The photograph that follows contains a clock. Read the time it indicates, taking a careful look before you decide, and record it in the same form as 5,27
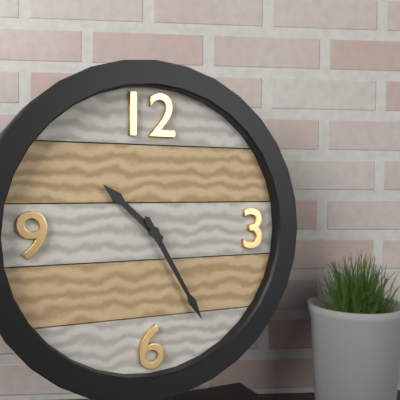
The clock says 10,25
